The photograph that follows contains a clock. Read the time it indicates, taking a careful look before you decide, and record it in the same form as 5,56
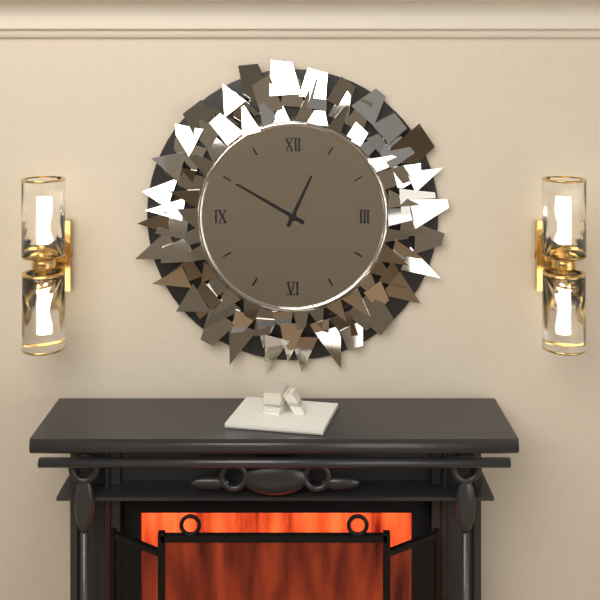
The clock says 12,50
